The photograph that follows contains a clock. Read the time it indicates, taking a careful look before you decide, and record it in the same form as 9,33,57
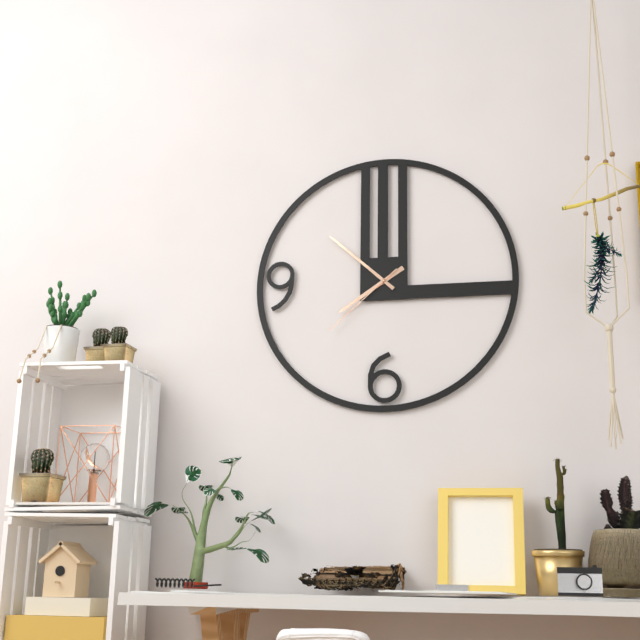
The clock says 7,52,38
